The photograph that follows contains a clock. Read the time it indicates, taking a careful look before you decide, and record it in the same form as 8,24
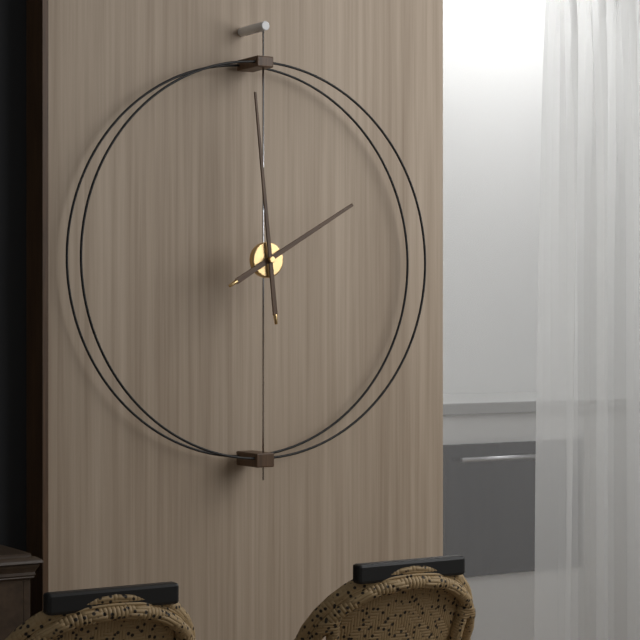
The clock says 1,59
